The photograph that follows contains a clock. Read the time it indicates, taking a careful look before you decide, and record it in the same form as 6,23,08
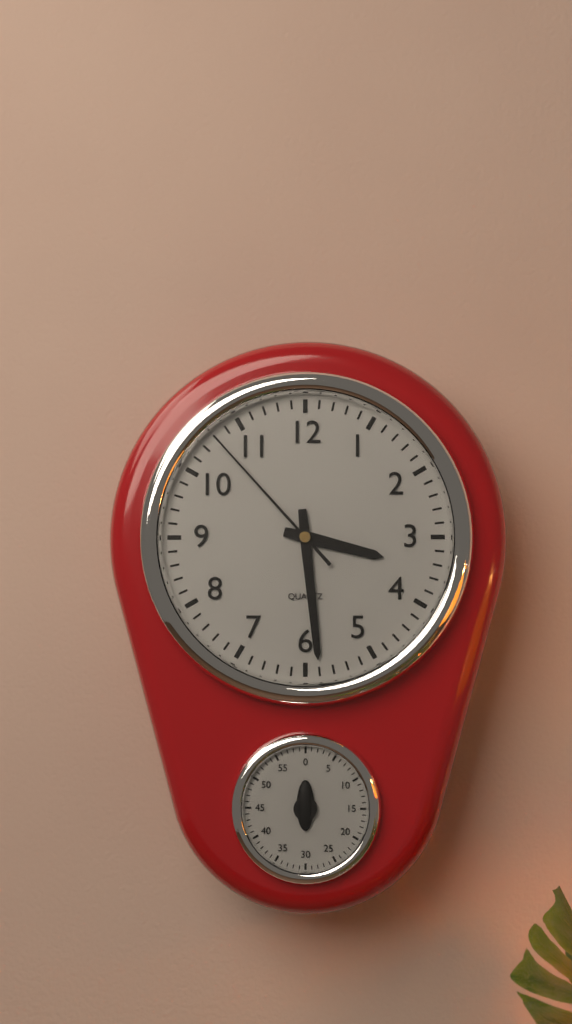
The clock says 3,29,53
